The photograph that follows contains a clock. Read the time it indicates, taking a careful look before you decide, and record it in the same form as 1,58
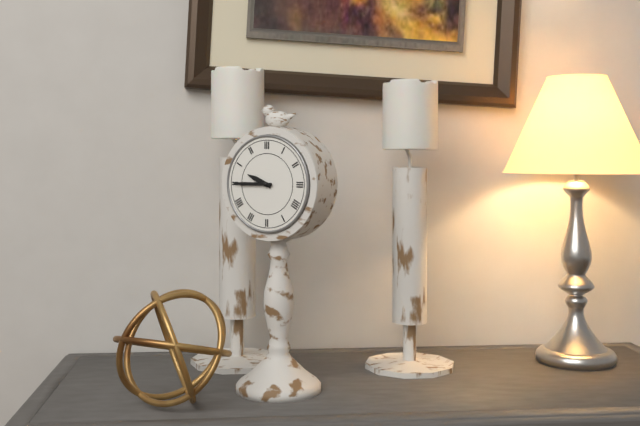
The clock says 9,45
